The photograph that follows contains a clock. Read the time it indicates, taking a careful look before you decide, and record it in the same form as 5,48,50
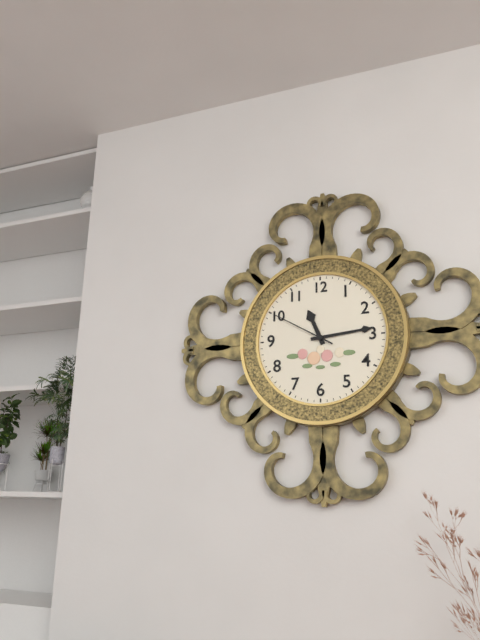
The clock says 11,14,50
